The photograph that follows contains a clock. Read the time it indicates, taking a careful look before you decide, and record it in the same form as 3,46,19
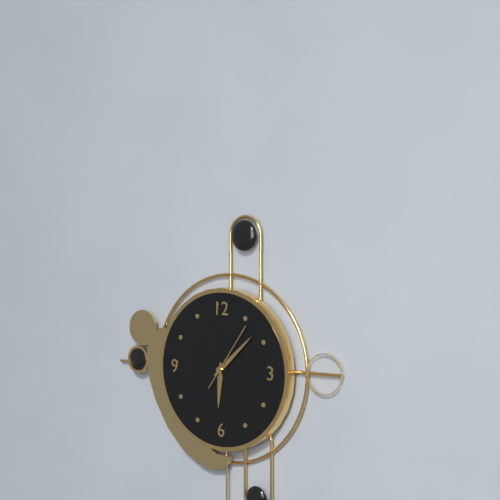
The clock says 6,08,06
